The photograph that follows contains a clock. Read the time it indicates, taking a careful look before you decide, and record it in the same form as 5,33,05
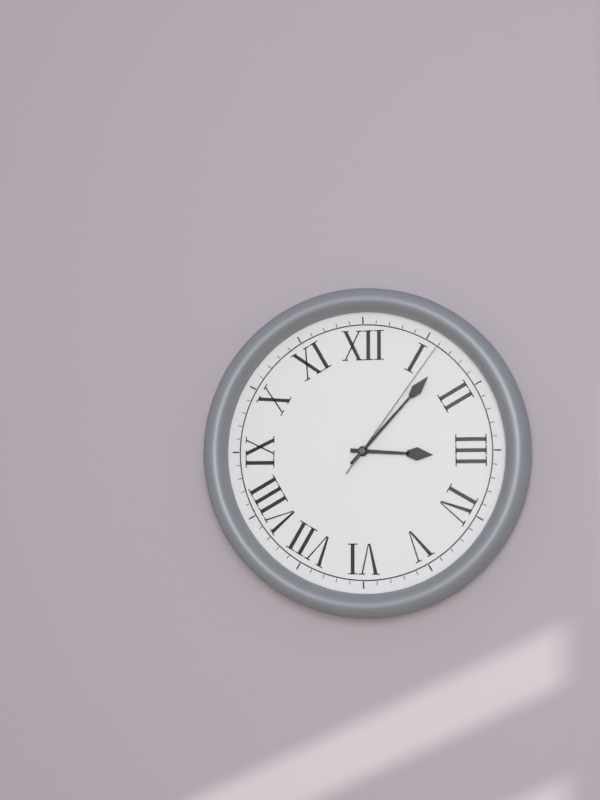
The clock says 3,07,06
